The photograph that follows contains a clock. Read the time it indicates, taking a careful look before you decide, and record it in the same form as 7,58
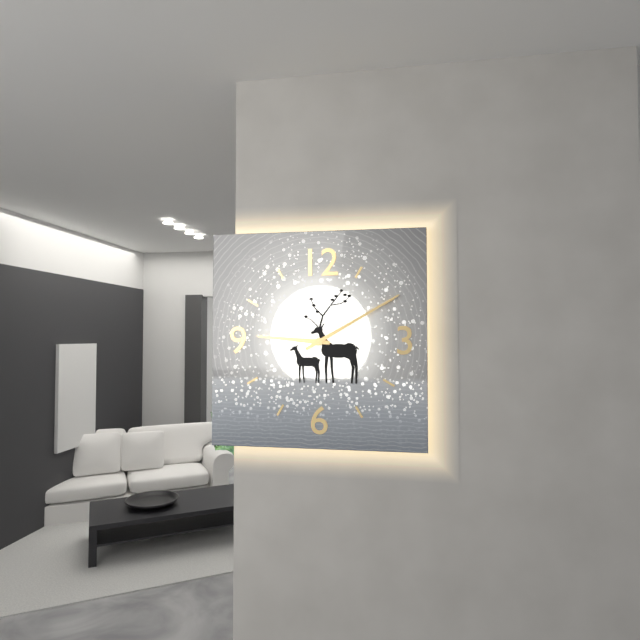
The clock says 9,10
